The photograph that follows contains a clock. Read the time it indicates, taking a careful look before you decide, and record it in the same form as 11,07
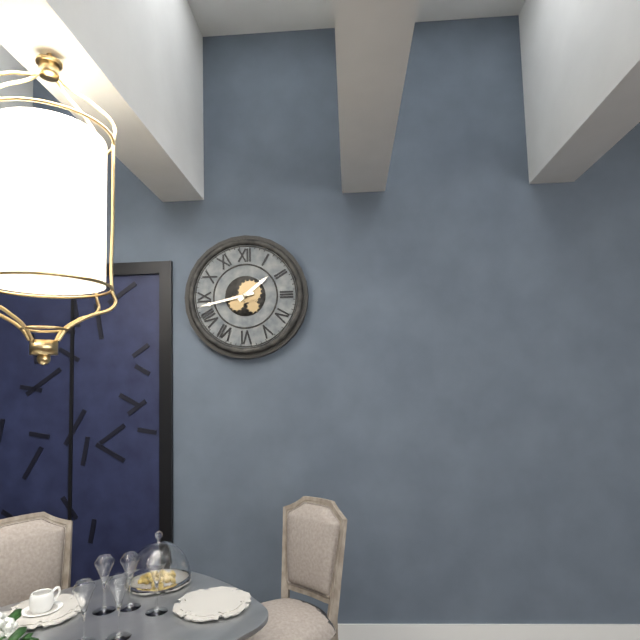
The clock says 1,43
